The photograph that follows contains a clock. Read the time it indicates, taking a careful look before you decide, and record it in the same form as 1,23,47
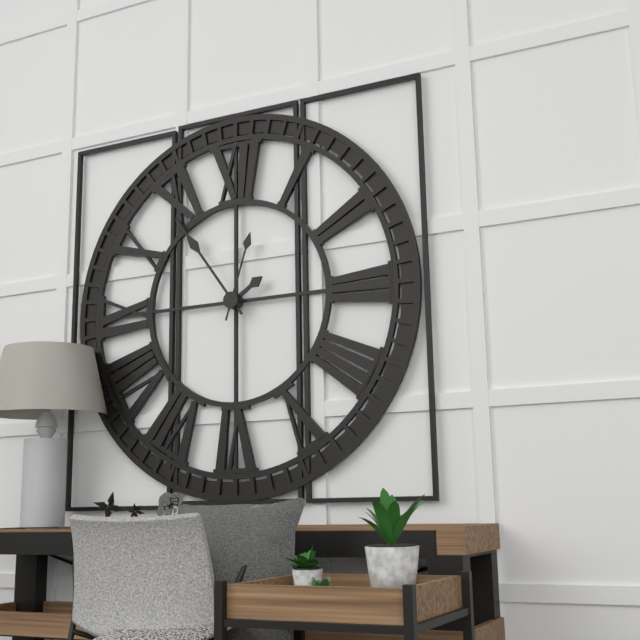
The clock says 1,54,03
